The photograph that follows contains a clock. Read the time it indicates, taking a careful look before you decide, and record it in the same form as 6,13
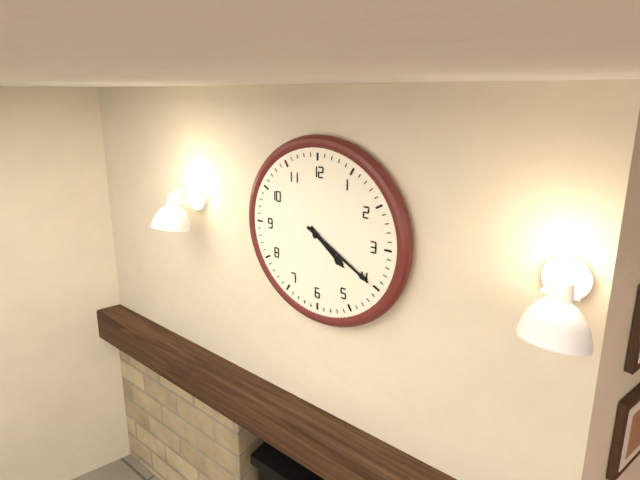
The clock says 4,20
